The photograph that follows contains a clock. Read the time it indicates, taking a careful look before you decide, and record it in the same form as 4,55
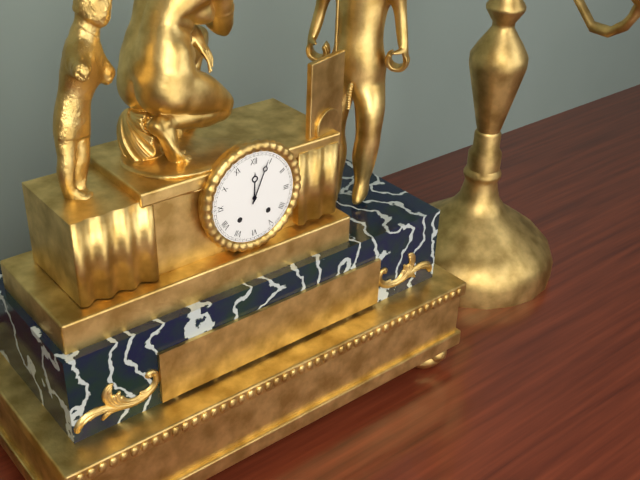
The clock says 12,04
